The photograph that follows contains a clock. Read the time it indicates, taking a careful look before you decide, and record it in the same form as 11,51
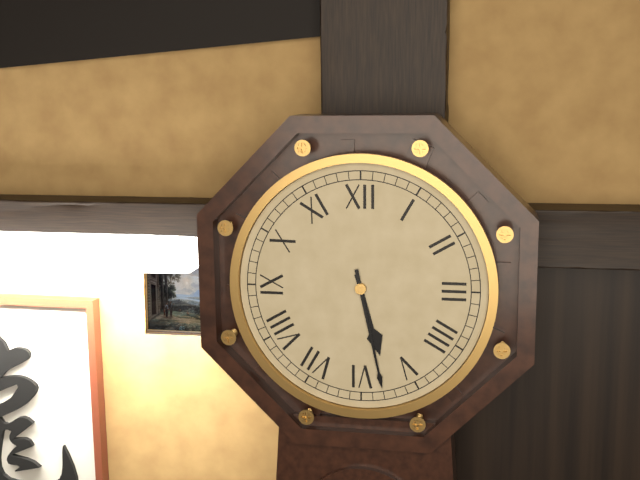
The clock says 5,28
